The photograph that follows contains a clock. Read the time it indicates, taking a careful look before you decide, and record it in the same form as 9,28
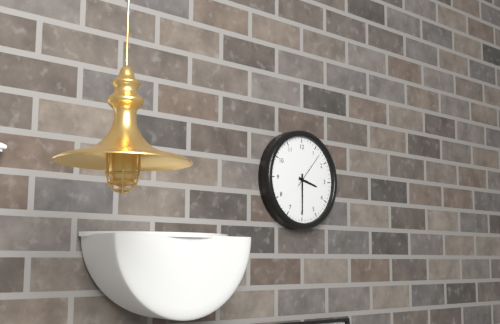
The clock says 3,30
